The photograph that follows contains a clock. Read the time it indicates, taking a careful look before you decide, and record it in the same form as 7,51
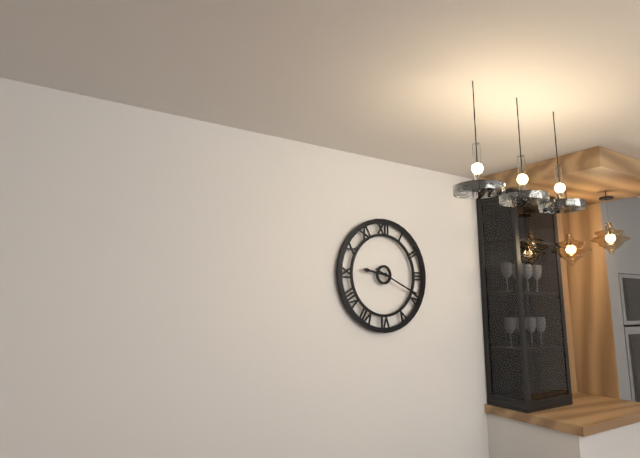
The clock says 9,19
